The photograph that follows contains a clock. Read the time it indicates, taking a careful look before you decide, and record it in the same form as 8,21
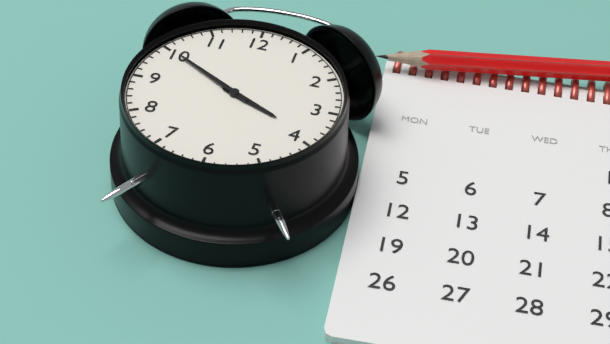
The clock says 3,50
